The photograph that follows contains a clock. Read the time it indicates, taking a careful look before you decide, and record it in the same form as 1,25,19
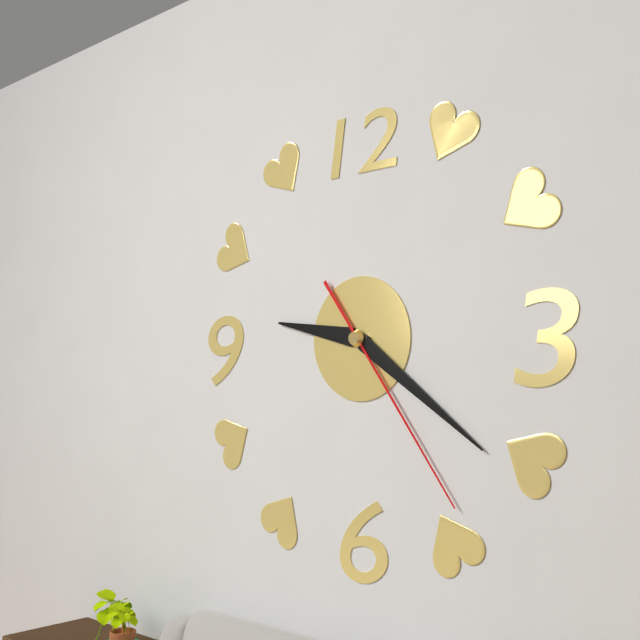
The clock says 9,21,24
